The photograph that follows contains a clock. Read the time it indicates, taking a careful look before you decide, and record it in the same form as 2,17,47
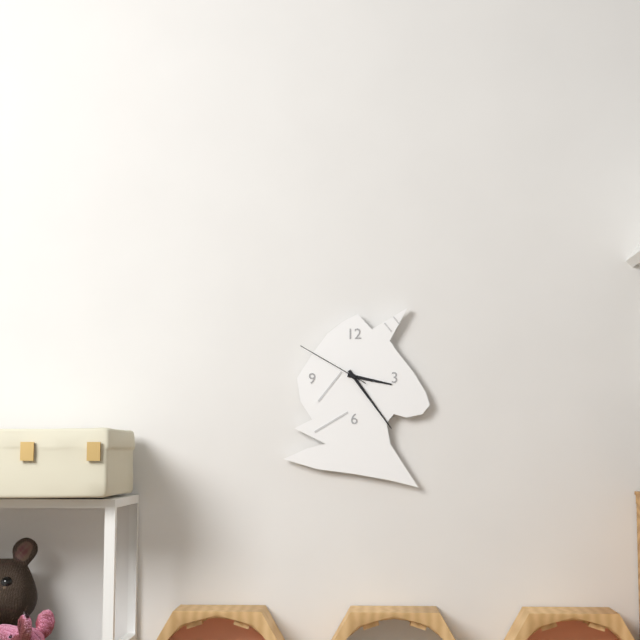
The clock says 3,24,50
